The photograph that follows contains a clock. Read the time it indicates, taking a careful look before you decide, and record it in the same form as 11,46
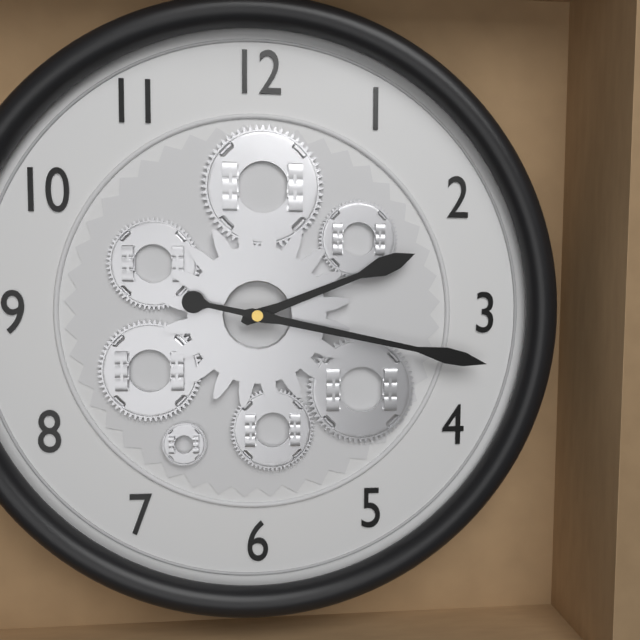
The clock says 2,17
